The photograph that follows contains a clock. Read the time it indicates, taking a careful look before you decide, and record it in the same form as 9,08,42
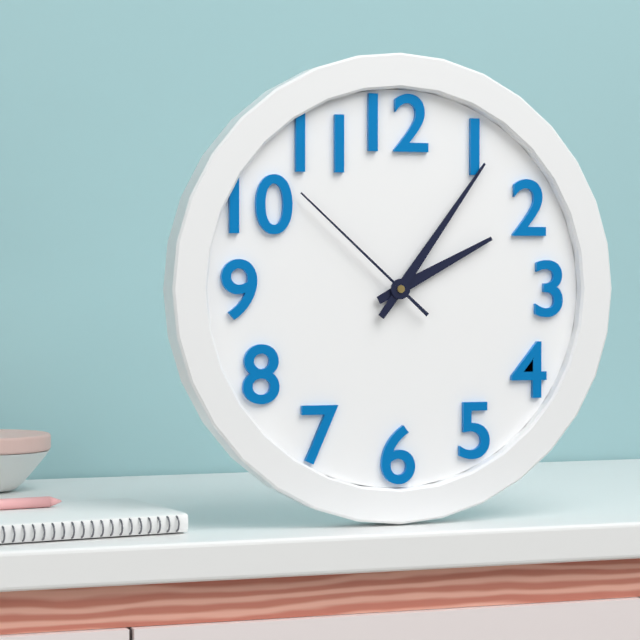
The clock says 2,06,52
